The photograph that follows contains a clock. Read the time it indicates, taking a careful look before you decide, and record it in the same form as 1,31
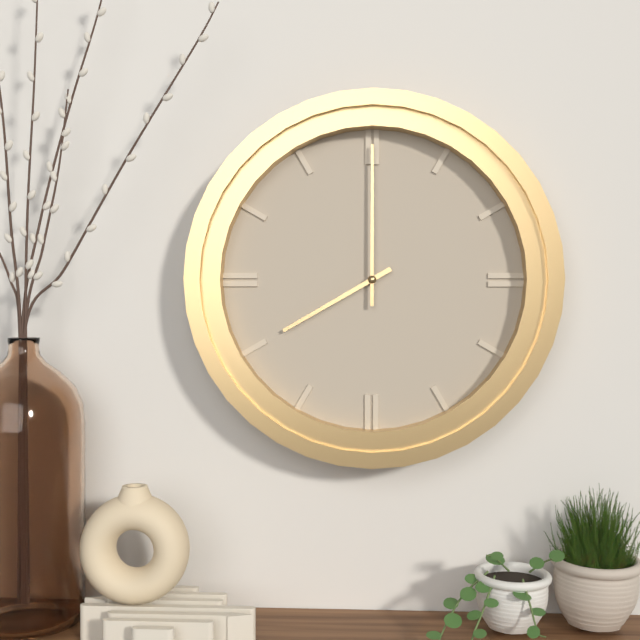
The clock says 8,00
